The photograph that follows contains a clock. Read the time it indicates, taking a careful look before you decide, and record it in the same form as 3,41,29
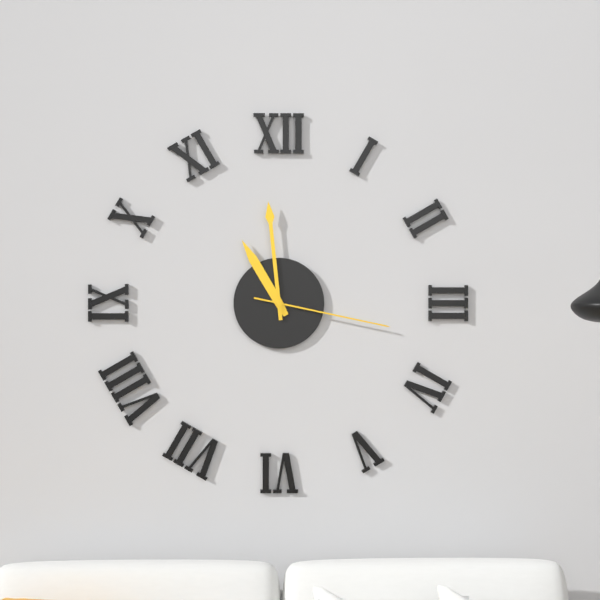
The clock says 10,59,17
